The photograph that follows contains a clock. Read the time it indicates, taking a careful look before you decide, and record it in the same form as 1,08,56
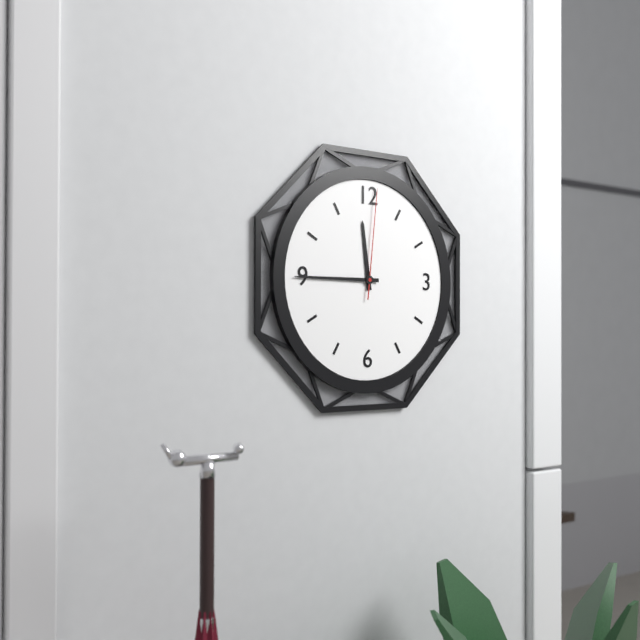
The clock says 11,45,01
